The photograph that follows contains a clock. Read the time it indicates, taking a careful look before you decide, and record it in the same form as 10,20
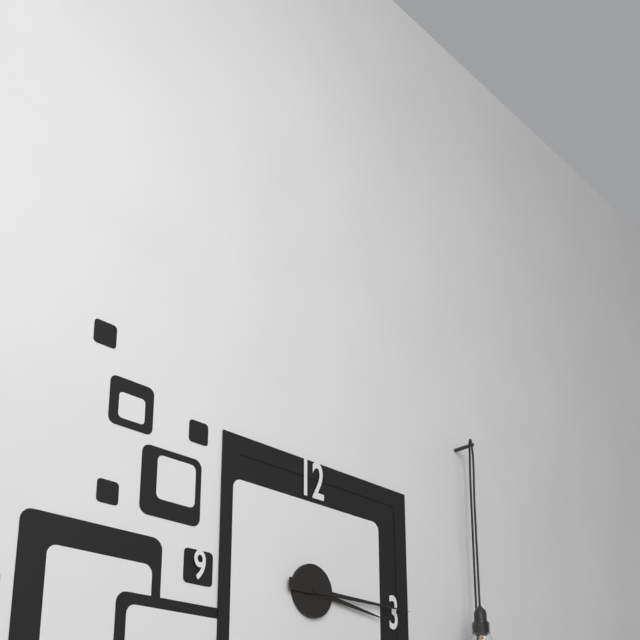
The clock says 3,15
